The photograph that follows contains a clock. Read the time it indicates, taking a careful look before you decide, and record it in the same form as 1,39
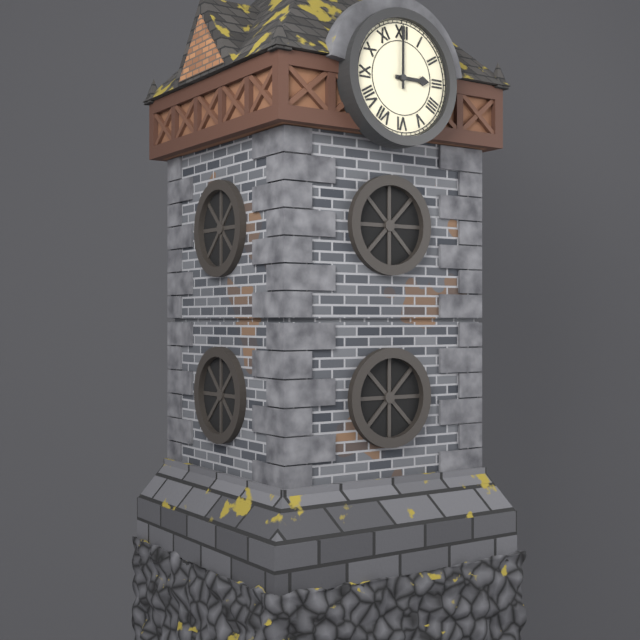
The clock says 3,00
